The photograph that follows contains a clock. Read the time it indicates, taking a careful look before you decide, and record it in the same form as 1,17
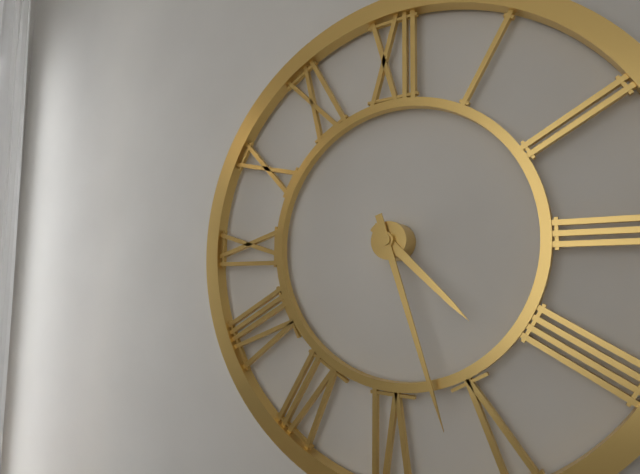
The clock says 4,27
